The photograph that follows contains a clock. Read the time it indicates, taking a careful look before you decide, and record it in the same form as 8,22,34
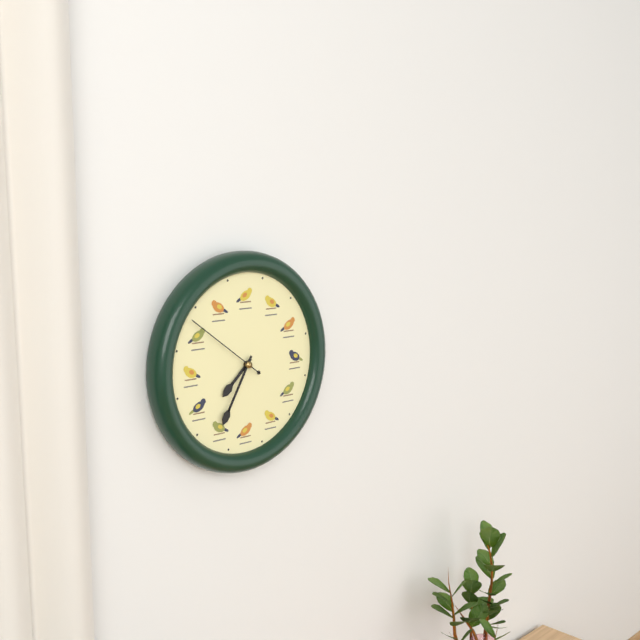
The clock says 7,35,51
